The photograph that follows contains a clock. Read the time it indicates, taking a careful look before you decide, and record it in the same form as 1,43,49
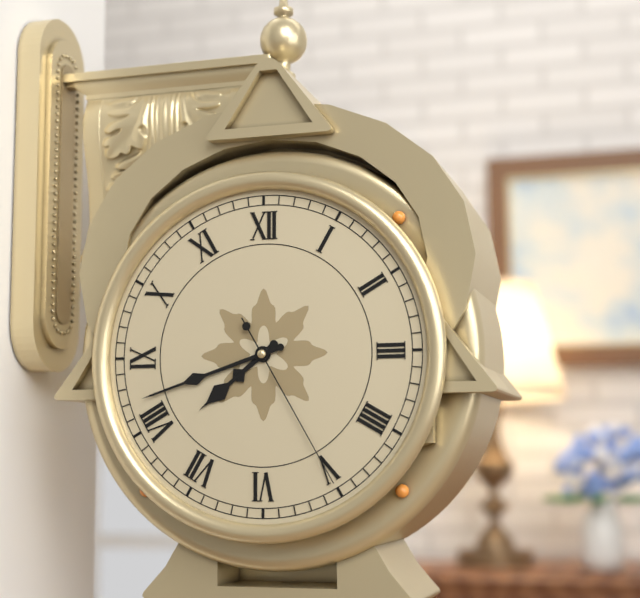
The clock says 7,42,25
